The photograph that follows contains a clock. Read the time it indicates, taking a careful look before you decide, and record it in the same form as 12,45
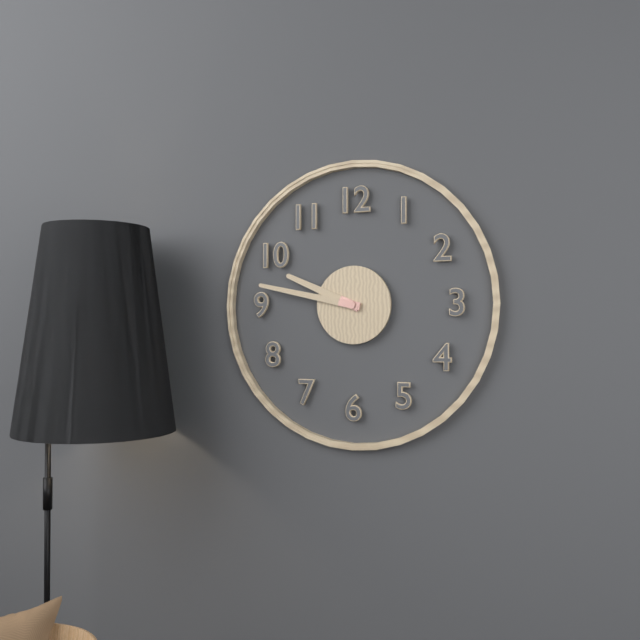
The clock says 9,47
